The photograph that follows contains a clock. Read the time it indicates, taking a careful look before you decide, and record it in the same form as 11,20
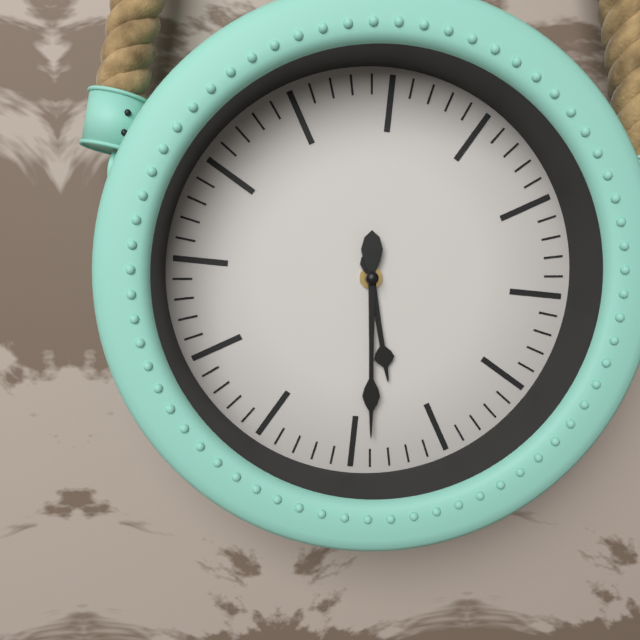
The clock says 5,29
